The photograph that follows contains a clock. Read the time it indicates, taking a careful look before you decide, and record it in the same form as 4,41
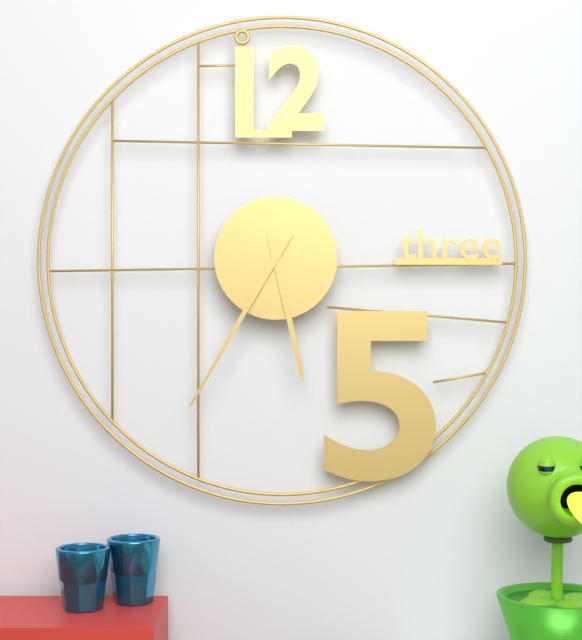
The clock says 5,35
